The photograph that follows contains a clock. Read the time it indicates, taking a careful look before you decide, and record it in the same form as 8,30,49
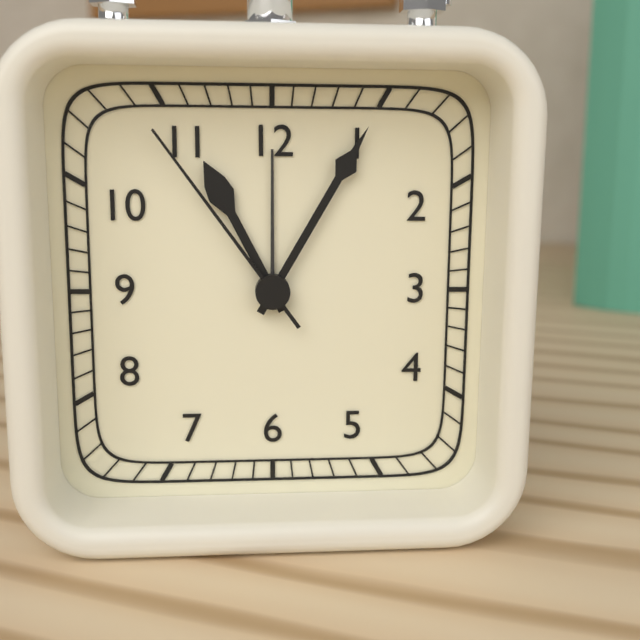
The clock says 11,05,54
